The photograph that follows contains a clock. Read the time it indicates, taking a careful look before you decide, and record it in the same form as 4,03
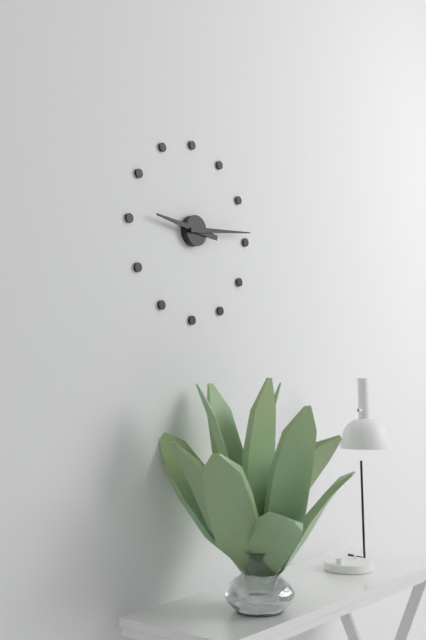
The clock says 9,14
